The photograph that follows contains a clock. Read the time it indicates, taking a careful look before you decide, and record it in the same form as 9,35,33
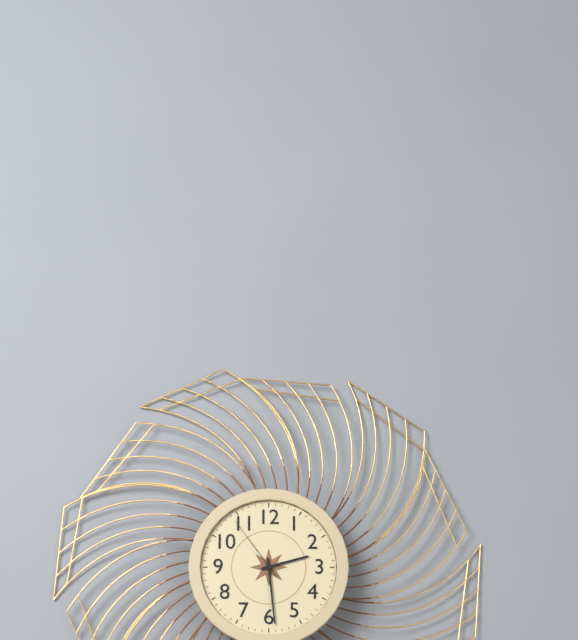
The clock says 2,29,54
